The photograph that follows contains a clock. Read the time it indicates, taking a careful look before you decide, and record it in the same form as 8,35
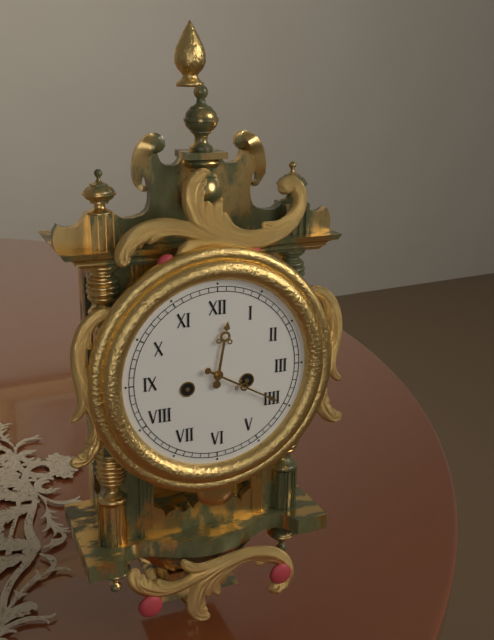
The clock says 12,20
